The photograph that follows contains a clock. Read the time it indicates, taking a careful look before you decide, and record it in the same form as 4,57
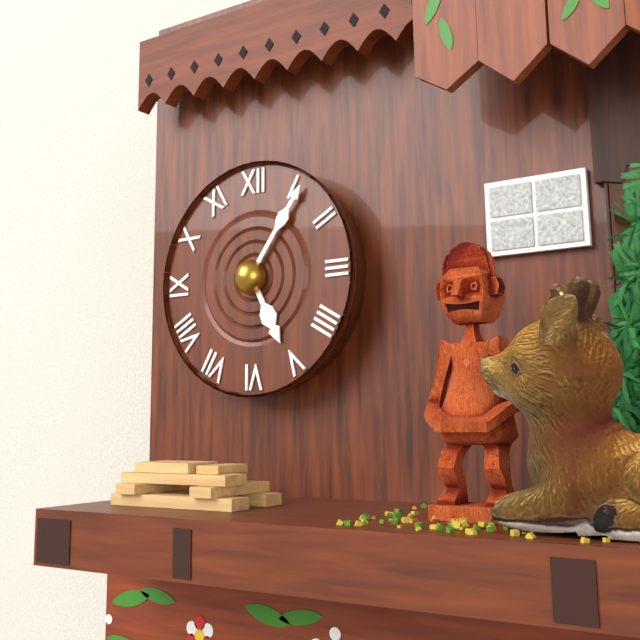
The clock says 5,06
